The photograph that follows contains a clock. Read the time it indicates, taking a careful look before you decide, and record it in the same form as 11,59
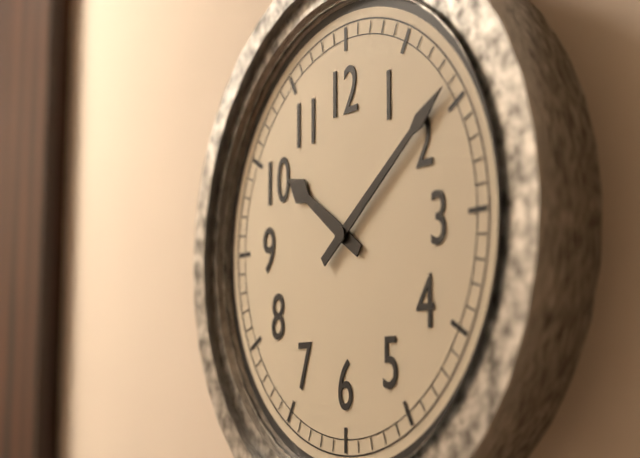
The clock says 10,09
